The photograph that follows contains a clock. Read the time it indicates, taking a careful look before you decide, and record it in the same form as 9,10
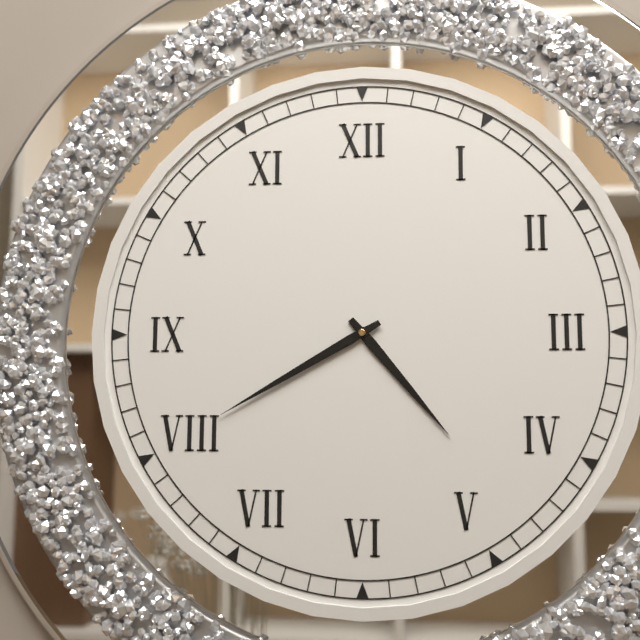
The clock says 4,40
